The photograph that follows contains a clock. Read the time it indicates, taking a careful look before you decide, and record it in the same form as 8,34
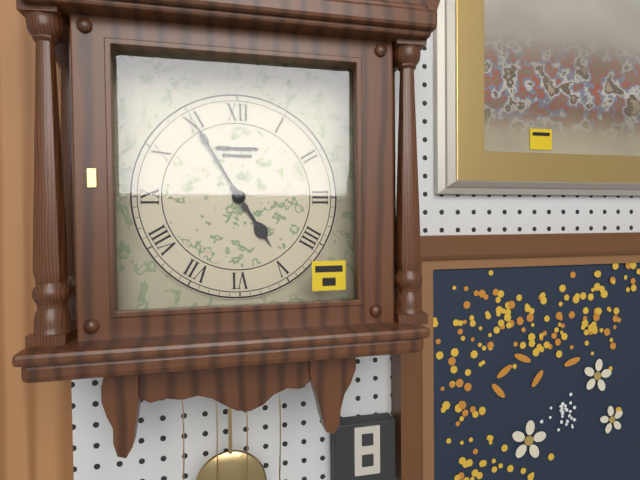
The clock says 4,55
